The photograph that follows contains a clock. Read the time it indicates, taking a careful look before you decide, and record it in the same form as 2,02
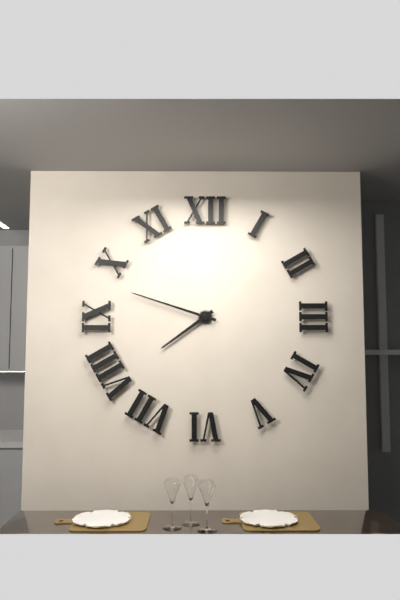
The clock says 7,48
